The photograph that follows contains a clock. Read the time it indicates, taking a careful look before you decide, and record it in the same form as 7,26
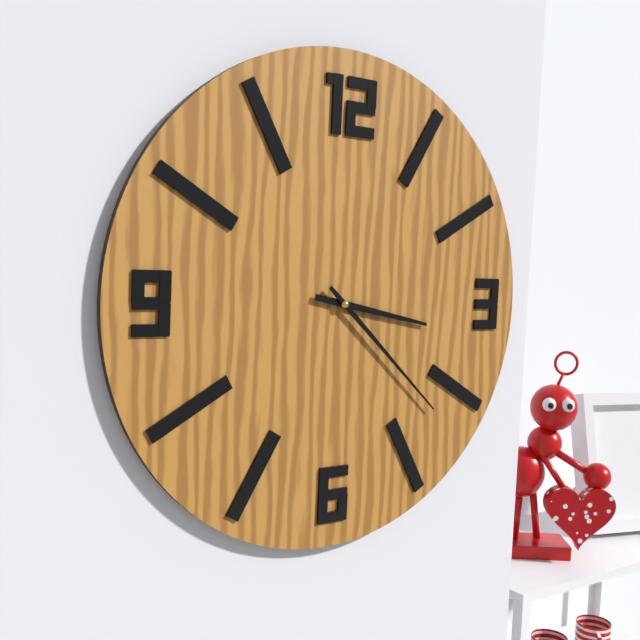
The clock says 3,22
